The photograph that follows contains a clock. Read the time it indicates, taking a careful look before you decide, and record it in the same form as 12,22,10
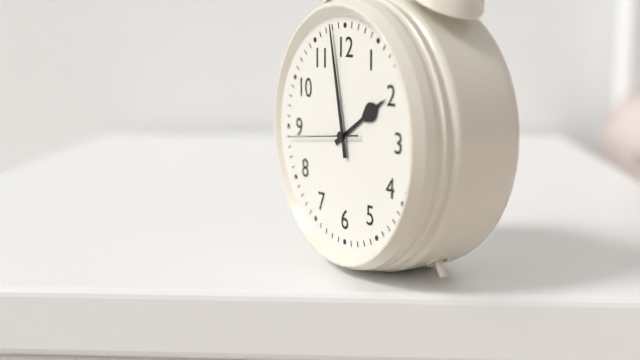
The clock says 1,58,44
